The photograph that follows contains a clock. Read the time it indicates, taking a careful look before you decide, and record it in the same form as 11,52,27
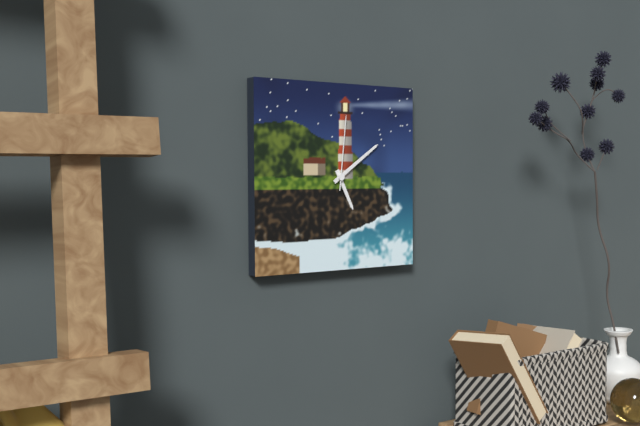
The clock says 5,09,01
